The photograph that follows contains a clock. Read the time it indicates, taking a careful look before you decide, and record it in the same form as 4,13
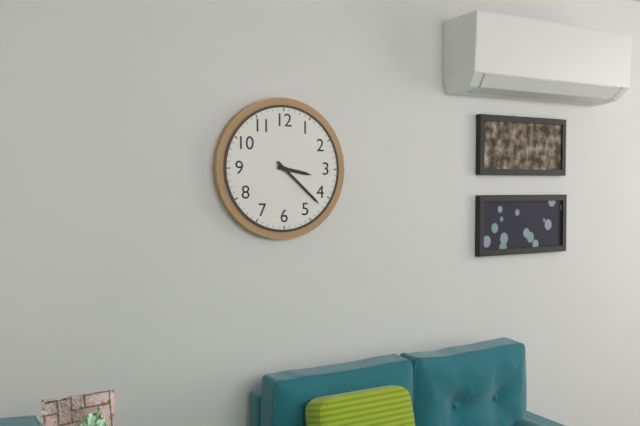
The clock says 3,22
